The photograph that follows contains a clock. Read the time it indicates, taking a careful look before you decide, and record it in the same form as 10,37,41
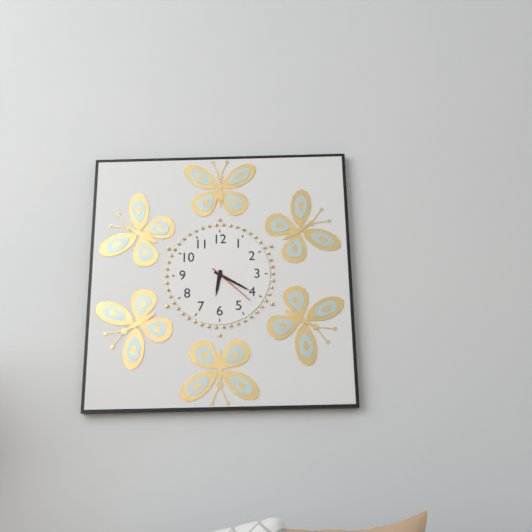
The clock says 6,20,22
